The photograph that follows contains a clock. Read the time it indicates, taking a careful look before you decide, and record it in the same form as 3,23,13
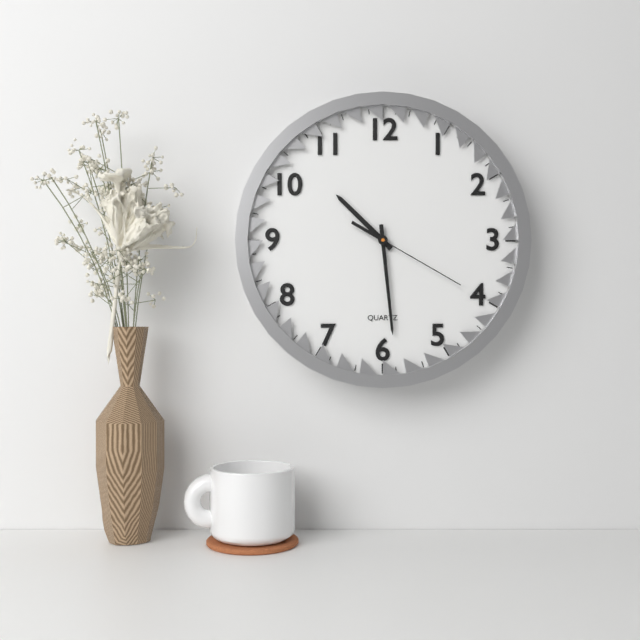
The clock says 10,29,20
